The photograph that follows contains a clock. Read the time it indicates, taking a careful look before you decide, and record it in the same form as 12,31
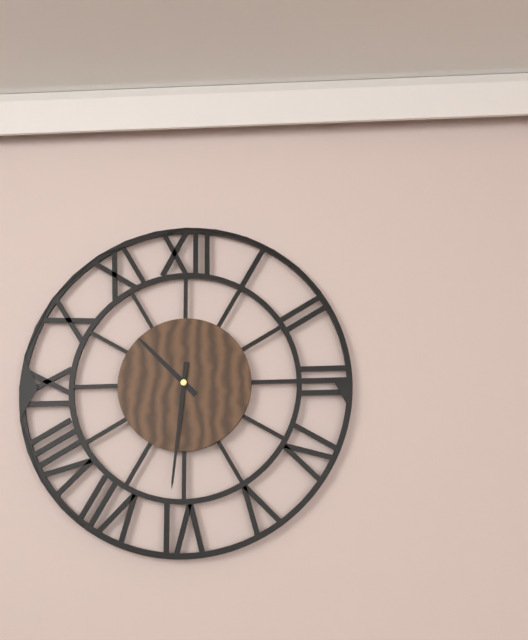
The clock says 10,31
